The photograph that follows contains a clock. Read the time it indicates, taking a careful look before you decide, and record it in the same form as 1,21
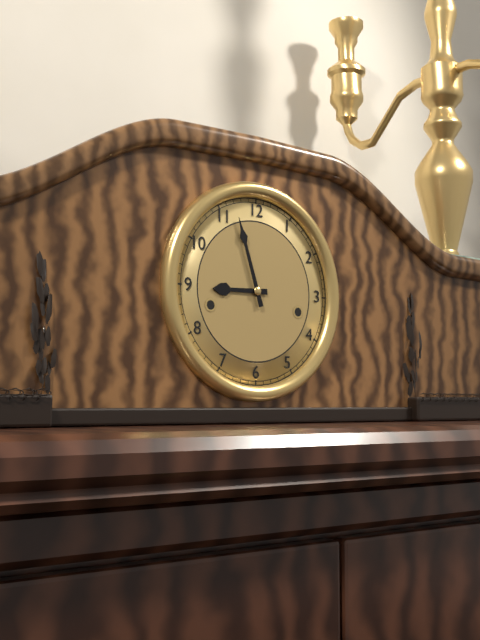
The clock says 8,57
